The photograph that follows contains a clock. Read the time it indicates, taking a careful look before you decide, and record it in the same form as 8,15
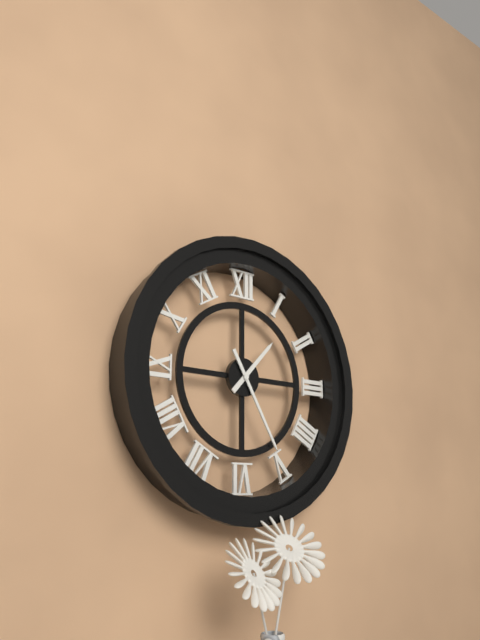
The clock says 1,25
